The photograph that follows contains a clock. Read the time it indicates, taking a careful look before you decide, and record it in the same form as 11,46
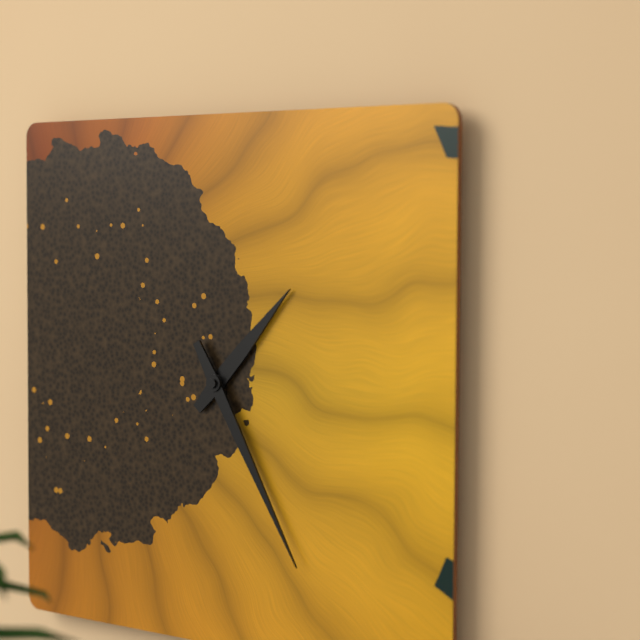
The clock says 1,25
